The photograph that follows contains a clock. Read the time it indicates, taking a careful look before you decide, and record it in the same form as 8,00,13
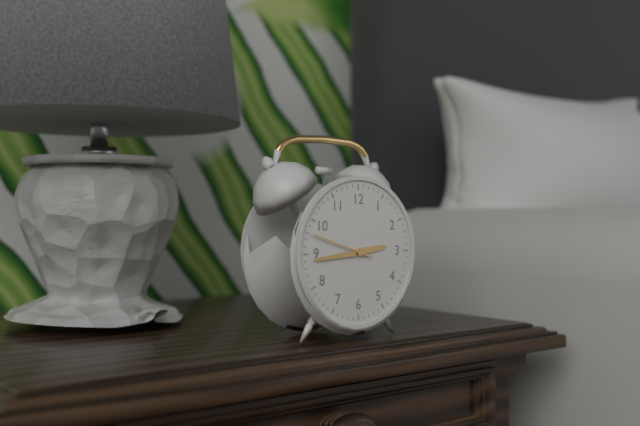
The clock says 2,44,48
